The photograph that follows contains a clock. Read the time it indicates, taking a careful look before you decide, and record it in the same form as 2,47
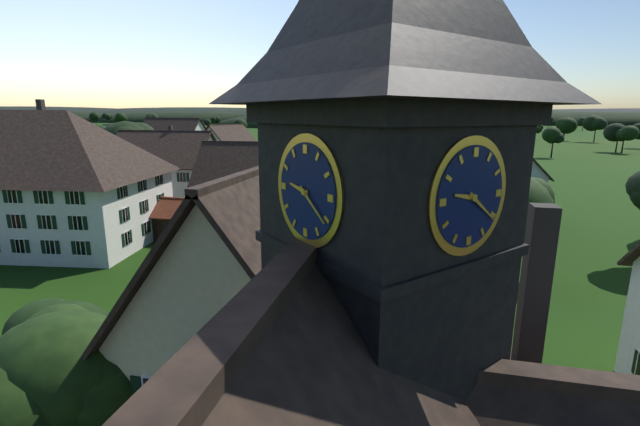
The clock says 9,21
